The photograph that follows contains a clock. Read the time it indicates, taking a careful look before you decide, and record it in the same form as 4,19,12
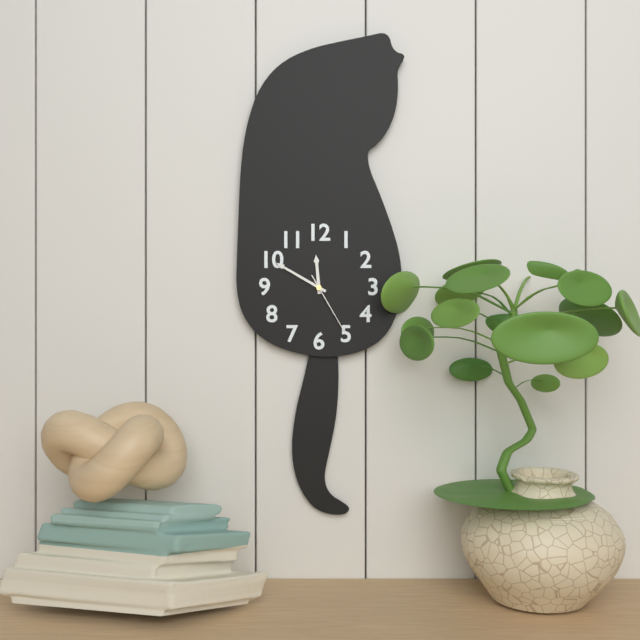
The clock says 11,50,25
